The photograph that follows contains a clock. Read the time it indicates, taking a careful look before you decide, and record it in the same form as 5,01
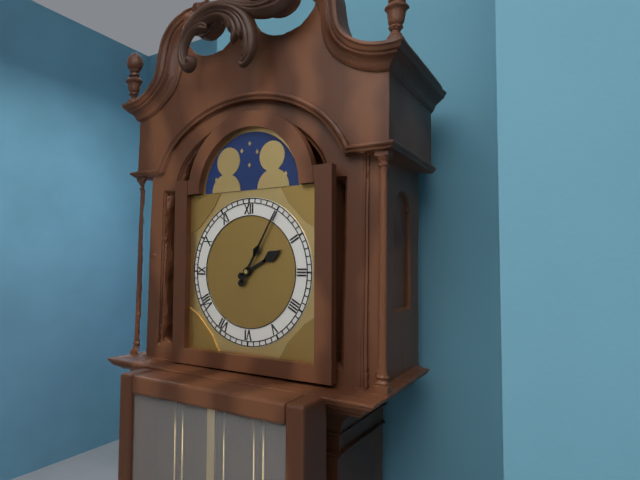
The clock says 2,05
